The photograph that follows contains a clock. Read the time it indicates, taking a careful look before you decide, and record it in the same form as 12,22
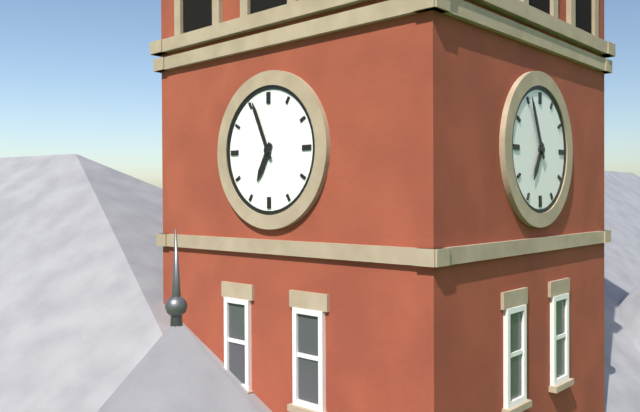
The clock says 6,56
